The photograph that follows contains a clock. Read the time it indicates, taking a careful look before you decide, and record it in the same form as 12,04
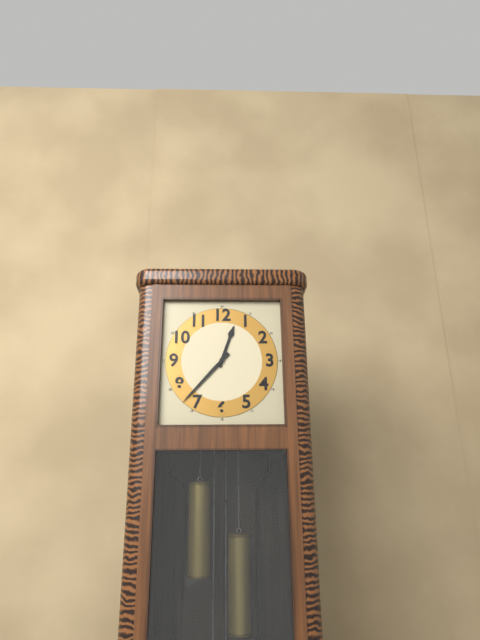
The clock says 12,37
